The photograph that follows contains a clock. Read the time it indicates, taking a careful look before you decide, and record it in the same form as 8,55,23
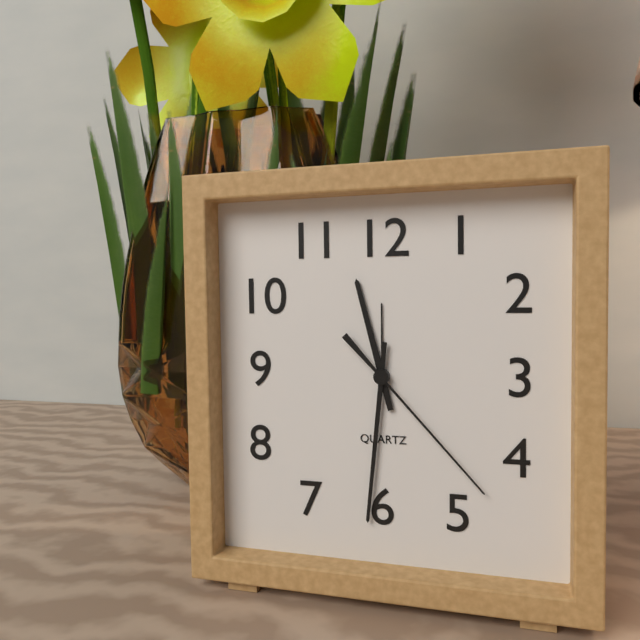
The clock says 11,31,23
